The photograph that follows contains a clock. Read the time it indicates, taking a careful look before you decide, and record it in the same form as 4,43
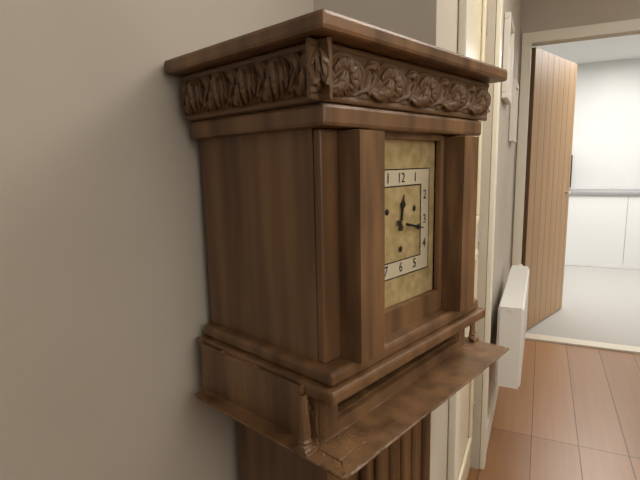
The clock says 12,17
